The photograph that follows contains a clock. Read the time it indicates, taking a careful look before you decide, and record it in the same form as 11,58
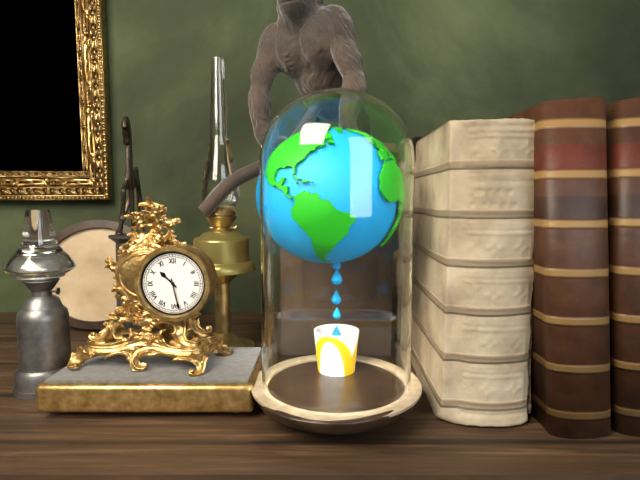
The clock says 10,28
